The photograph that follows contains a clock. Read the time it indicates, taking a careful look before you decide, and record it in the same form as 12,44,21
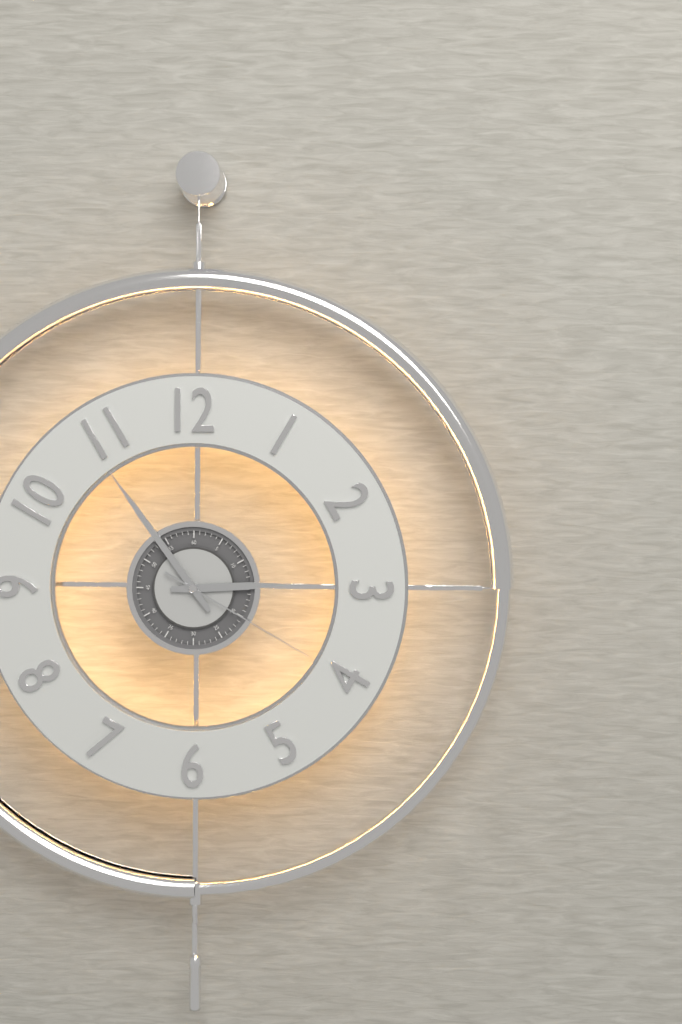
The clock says 2,54,20
